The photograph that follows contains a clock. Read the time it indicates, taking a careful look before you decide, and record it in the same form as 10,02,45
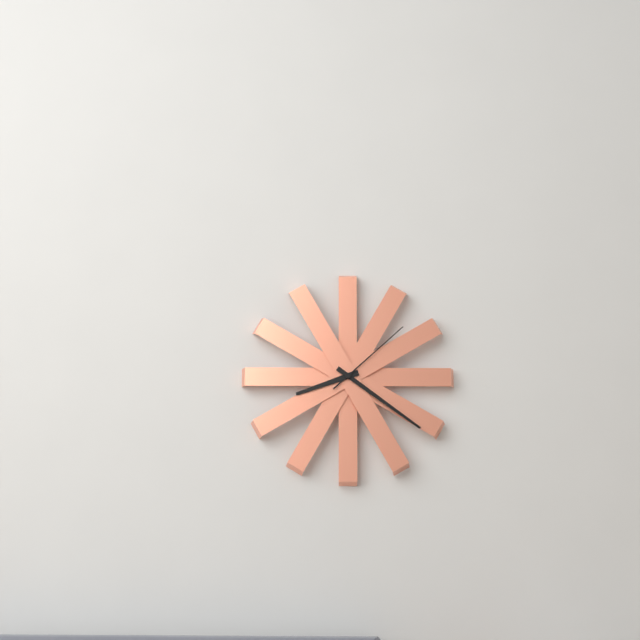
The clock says 8,21,08
